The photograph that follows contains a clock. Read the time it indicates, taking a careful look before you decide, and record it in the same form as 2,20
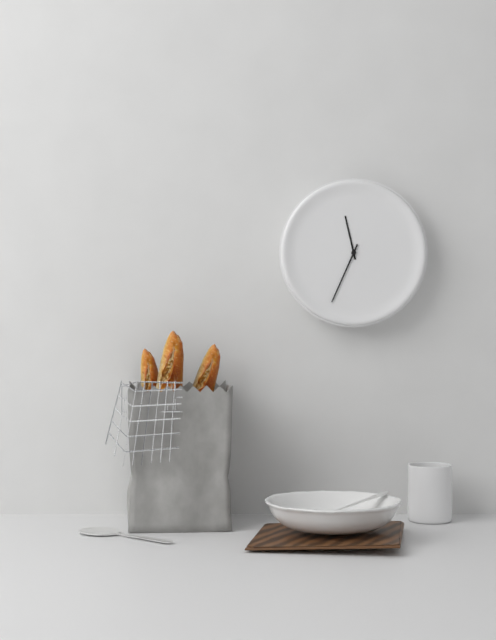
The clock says 11,34
